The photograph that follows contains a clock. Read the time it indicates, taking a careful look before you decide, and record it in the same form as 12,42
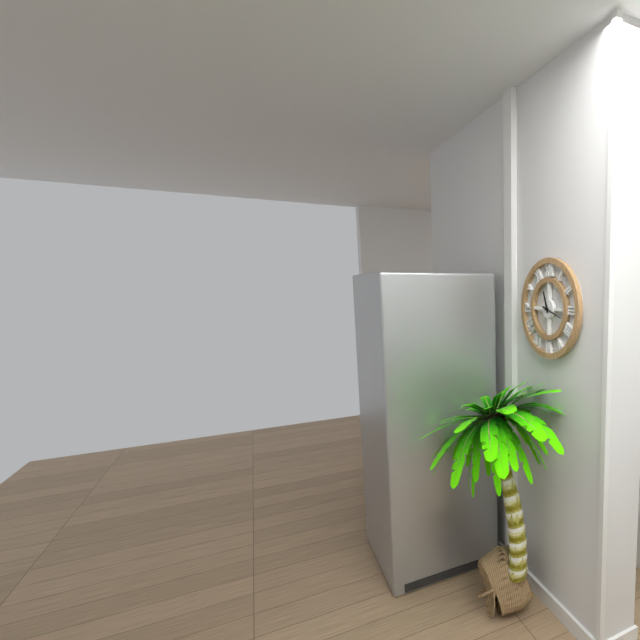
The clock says 11,18
